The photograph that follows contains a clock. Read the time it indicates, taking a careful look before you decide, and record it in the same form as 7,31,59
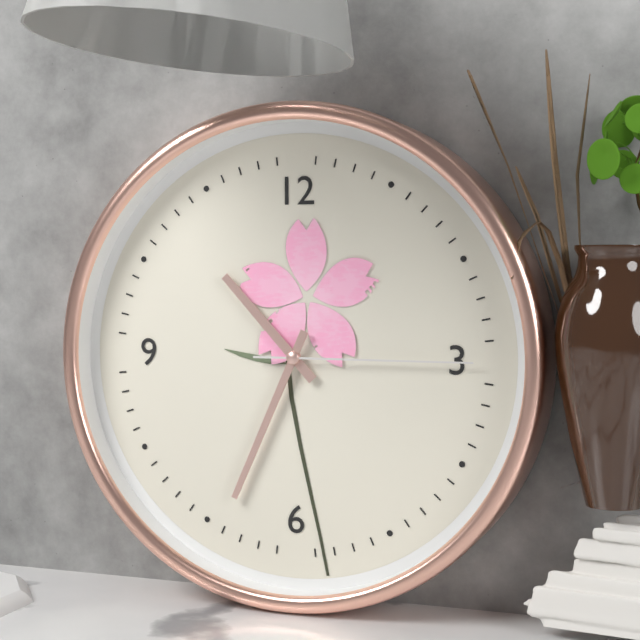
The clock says 10,34,15
